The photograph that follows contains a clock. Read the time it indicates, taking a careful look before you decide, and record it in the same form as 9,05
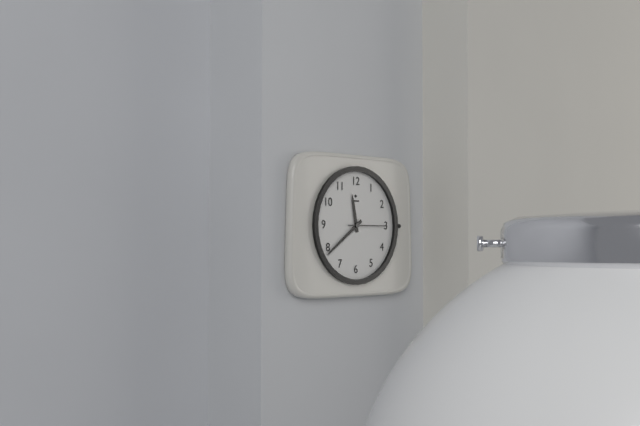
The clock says 11,39
